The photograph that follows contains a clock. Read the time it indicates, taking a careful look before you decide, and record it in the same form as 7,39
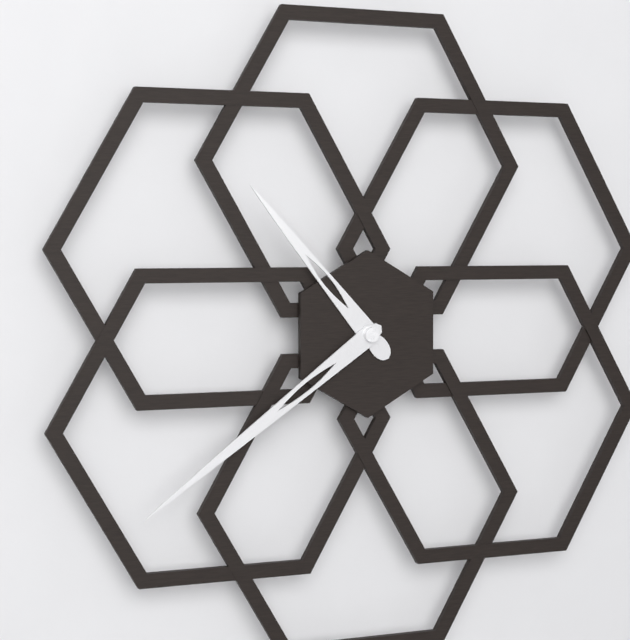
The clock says 10,39
